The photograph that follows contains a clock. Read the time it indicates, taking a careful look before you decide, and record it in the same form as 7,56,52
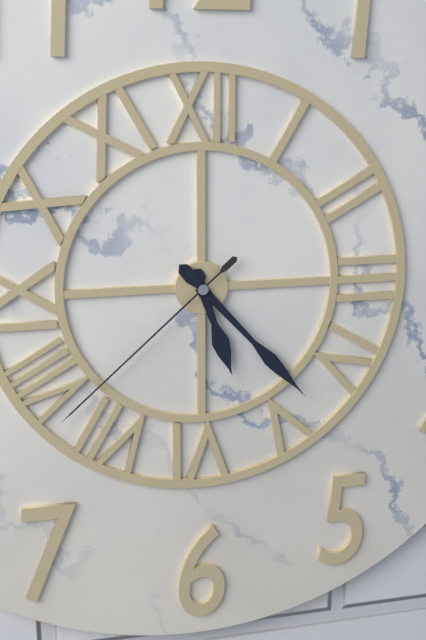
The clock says 5,23,38
